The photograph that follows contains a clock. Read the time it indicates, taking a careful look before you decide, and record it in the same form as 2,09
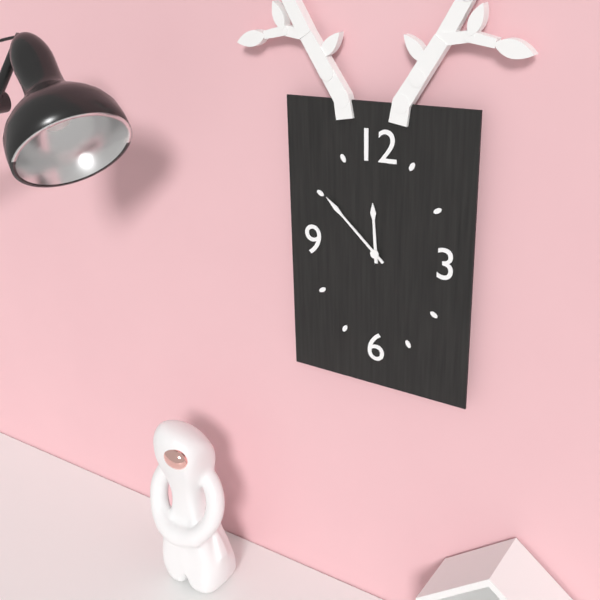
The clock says 11,52
